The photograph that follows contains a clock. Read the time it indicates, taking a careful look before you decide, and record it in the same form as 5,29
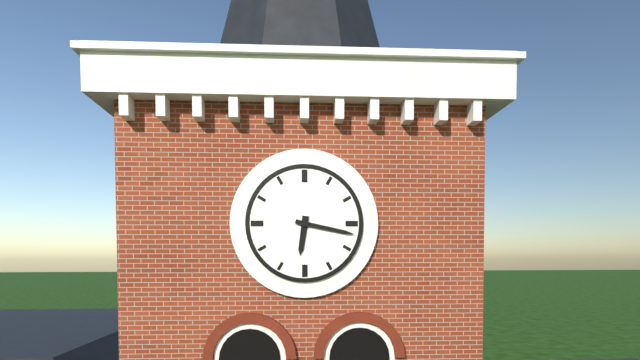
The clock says 6,17
